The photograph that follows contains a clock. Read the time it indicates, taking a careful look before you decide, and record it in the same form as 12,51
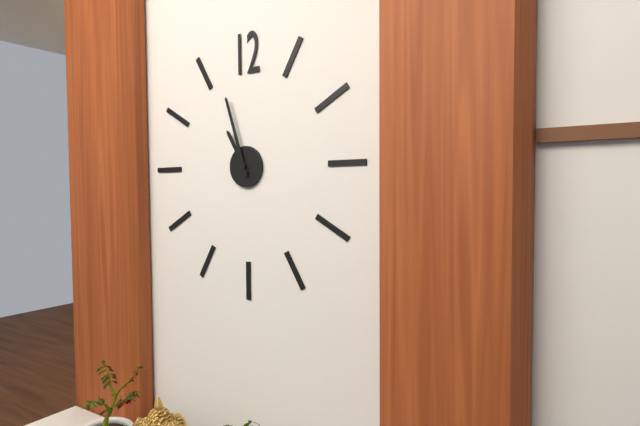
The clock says 10,57
